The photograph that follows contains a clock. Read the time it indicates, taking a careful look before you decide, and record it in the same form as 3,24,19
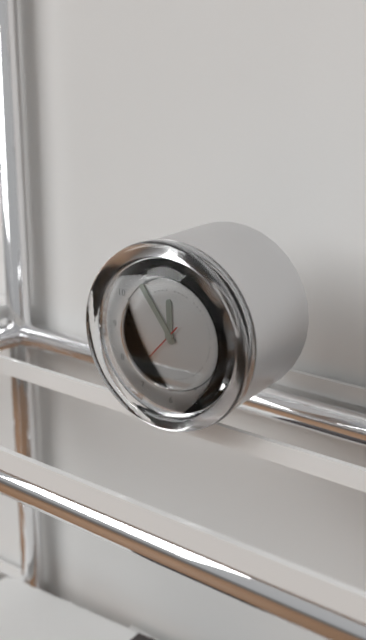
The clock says 11,54,37
